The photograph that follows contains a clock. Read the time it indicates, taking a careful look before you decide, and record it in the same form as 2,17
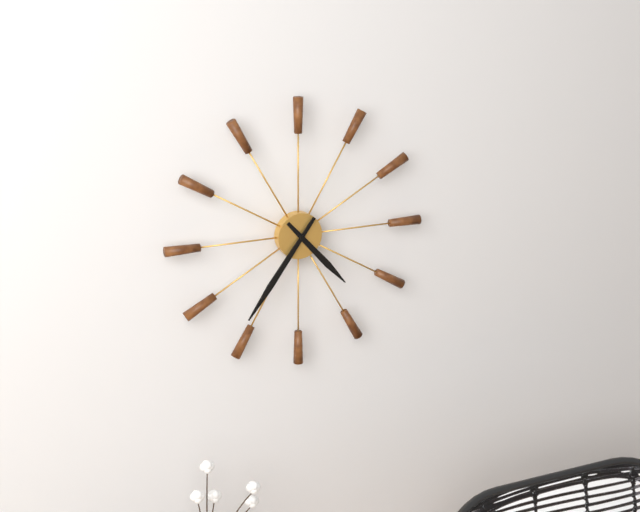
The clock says 4,36
